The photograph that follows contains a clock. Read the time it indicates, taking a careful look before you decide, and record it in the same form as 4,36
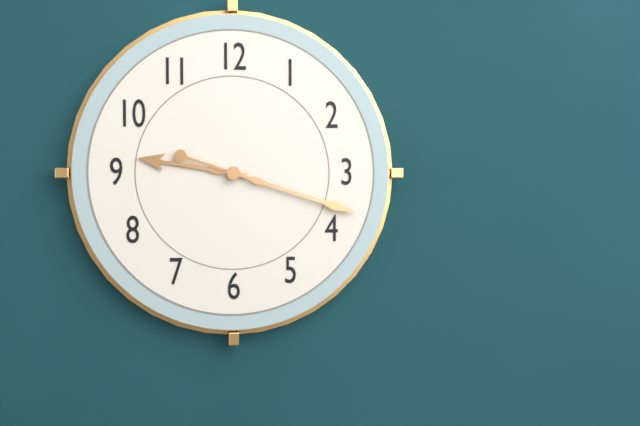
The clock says 9,18
